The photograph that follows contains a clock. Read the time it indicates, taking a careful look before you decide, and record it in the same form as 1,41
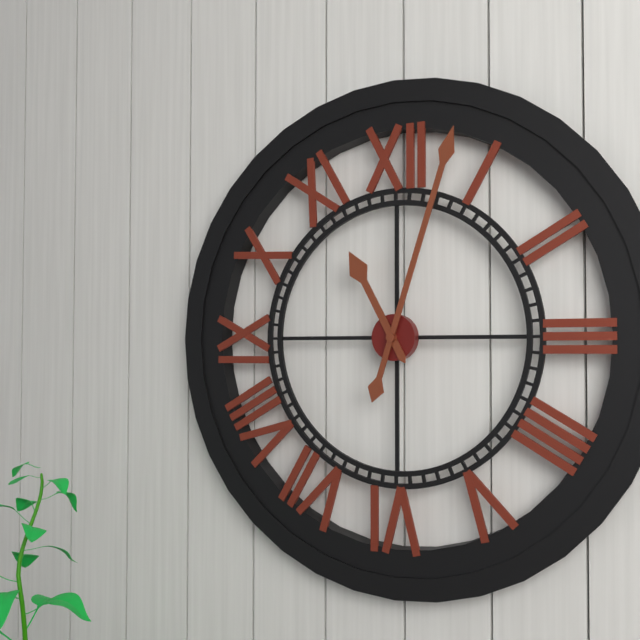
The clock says 11,03
